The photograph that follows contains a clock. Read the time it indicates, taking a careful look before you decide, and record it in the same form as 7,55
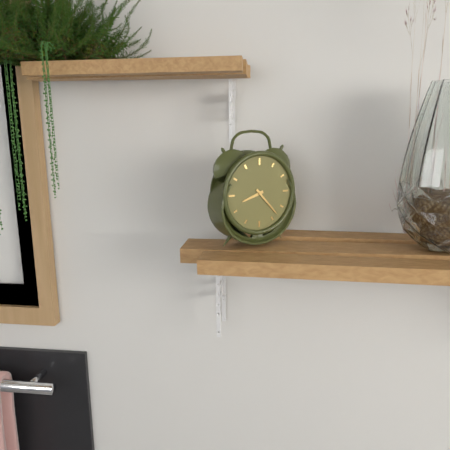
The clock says 8,23
